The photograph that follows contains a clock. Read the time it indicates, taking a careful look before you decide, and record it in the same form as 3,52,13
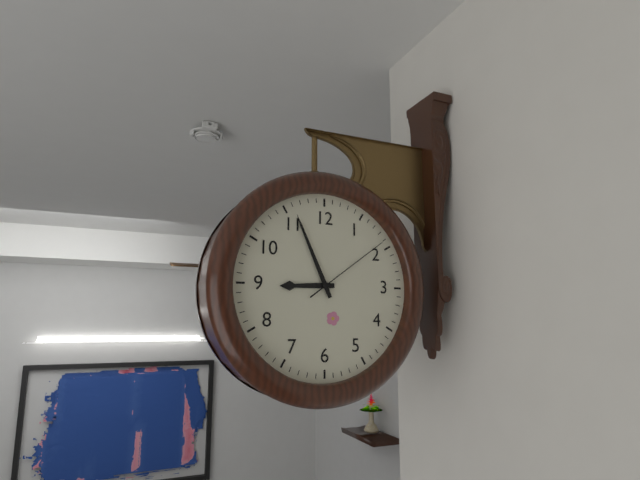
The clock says 8,56,09
